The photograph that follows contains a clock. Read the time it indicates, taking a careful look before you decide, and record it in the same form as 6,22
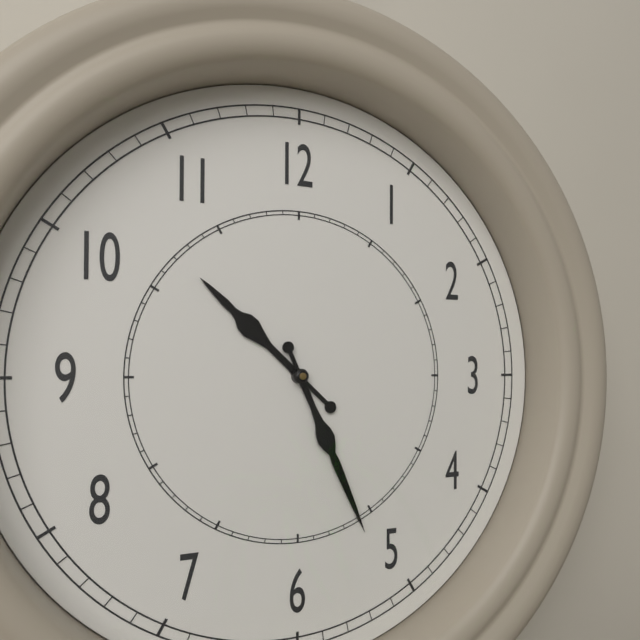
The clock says 10,26
